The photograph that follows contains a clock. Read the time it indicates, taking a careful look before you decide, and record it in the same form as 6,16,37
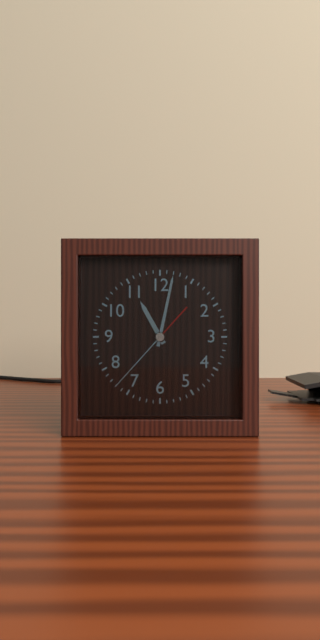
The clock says 11,02,37
